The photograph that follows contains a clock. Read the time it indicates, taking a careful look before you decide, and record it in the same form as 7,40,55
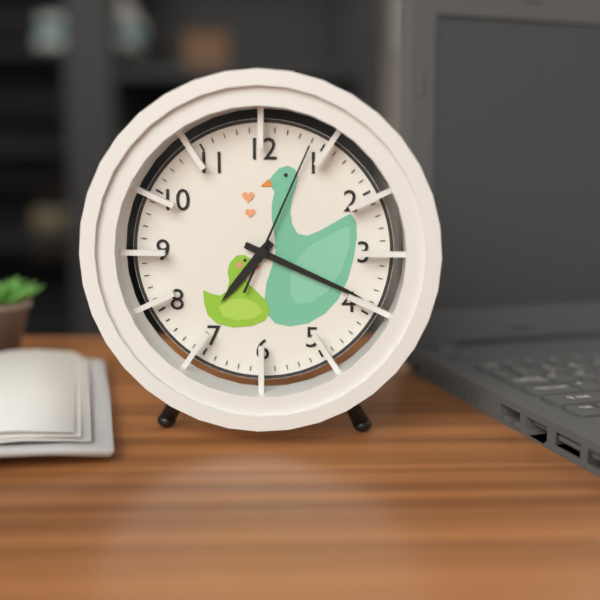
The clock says 7,19,04
